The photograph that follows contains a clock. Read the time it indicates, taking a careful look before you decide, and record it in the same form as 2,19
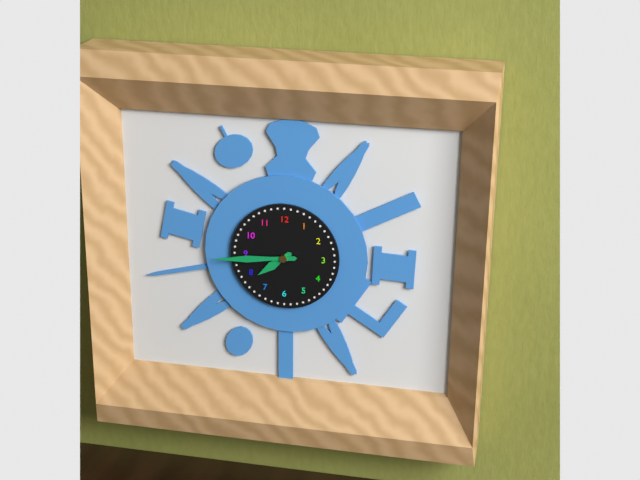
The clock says 7,44
